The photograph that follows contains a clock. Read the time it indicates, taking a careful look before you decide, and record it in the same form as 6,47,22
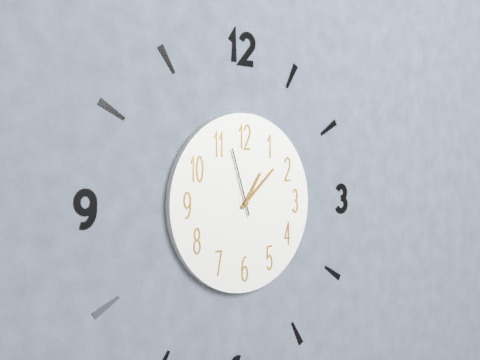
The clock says 1,08,57
